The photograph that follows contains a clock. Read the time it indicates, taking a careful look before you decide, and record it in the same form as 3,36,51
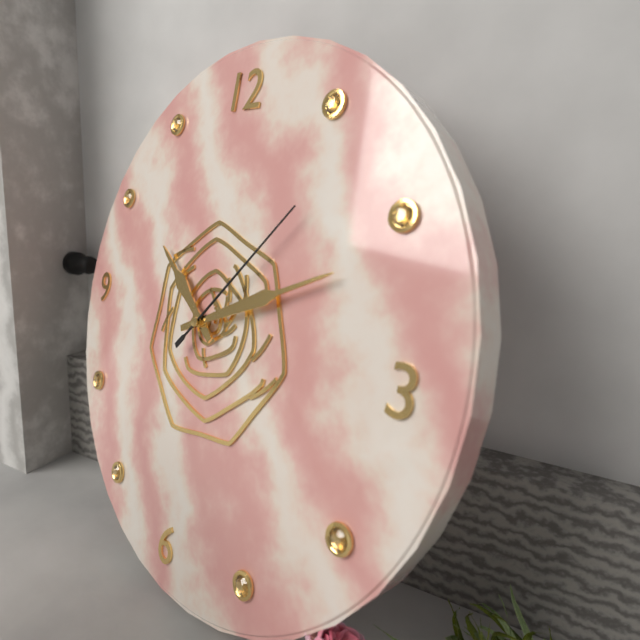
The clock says 10,11,07
